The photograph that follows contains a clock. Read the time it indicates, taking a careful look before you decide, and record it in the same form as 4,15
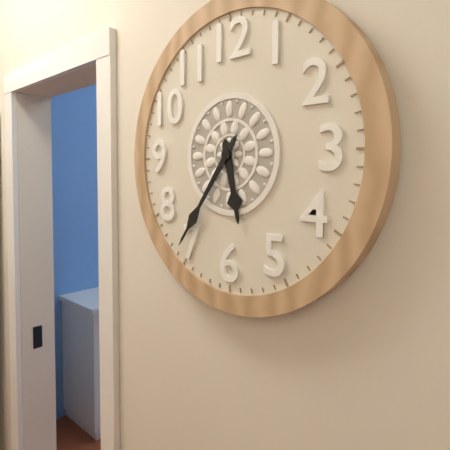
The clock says 5,36
